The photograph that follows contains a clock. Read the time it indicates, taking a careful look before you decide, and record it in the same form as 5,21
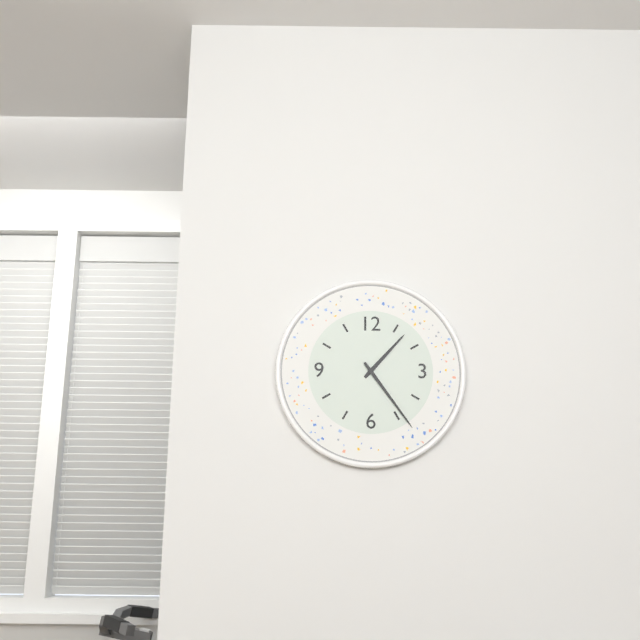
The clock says 1,24
